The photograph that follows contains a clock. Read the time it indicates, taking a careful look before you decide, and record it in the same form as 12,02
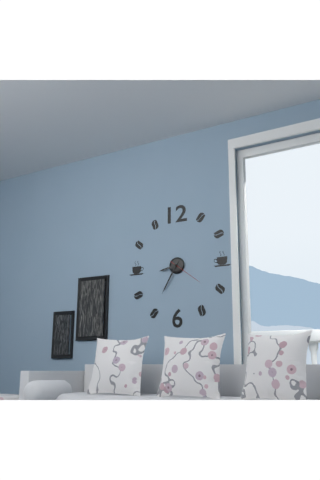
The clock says 8,35
